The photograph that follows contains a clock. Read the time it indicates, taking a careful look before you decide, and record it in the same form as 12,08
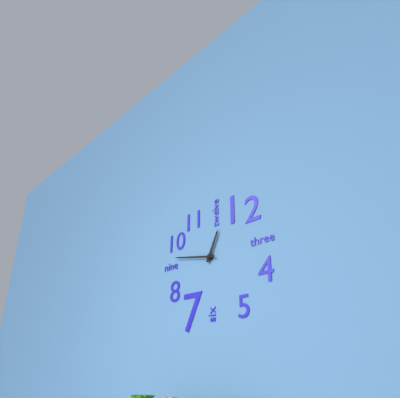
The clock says 12,47
